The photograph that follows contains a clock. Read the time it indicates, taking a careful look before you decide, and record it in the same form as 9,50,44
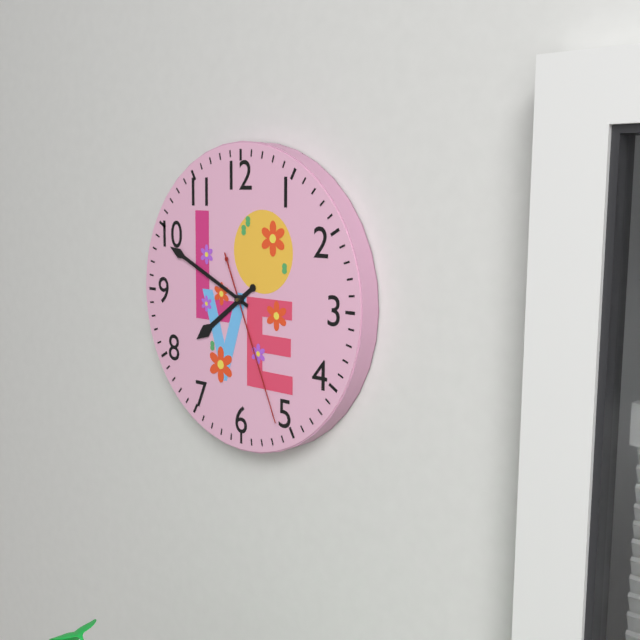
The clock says 7,49,26
